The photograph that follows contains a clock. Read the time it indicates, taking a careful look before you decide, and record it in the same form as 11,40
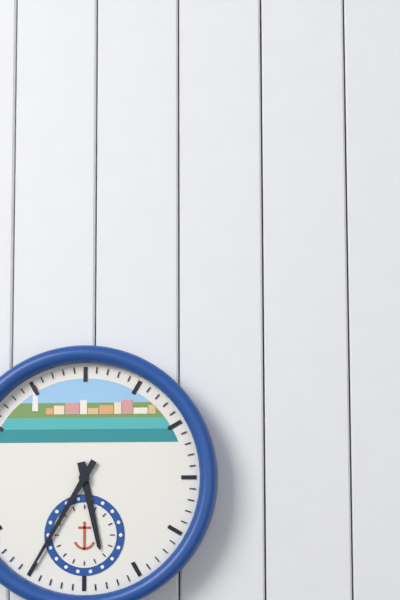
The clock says 5,35
